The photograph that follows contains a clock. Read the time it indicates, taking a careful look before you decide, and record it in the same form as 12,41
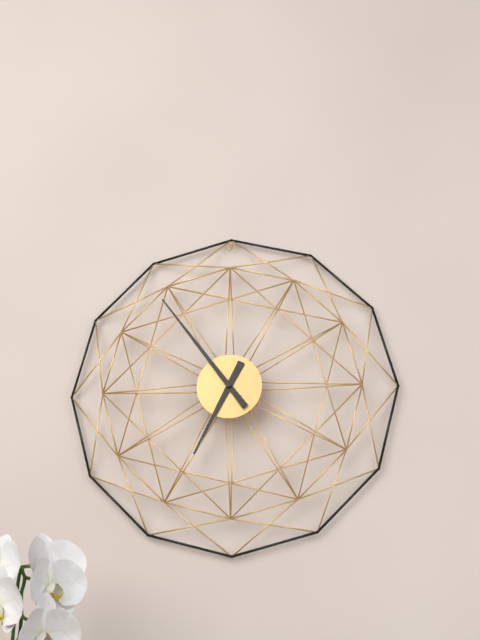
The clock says 6,54
